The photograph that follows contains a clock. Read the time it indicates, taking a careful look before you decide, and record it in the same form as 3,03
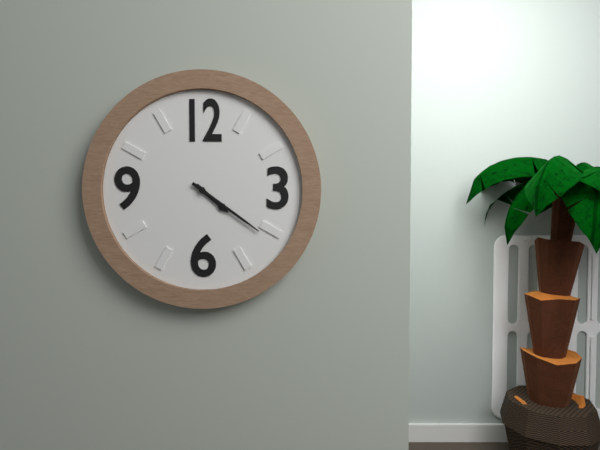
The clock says 4,21
